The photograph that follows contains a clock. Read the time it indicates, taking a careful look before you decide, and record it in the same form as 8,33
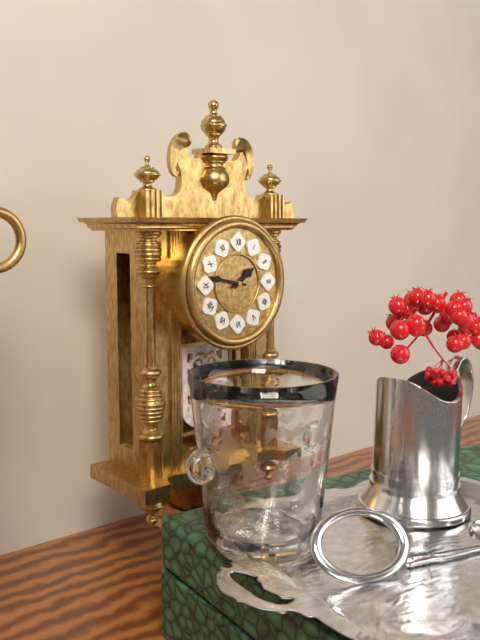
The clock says 1,47
